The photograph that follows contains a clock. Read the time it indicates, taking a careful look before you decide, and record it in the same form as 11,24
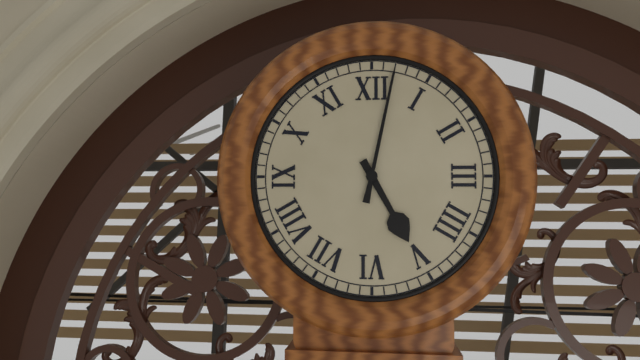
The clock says 5,02
